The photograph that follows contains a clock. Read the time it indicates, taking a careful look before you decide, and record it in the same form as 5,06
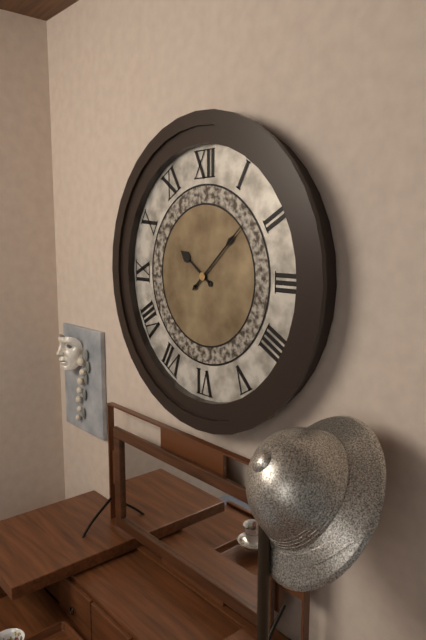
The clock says 10,08
